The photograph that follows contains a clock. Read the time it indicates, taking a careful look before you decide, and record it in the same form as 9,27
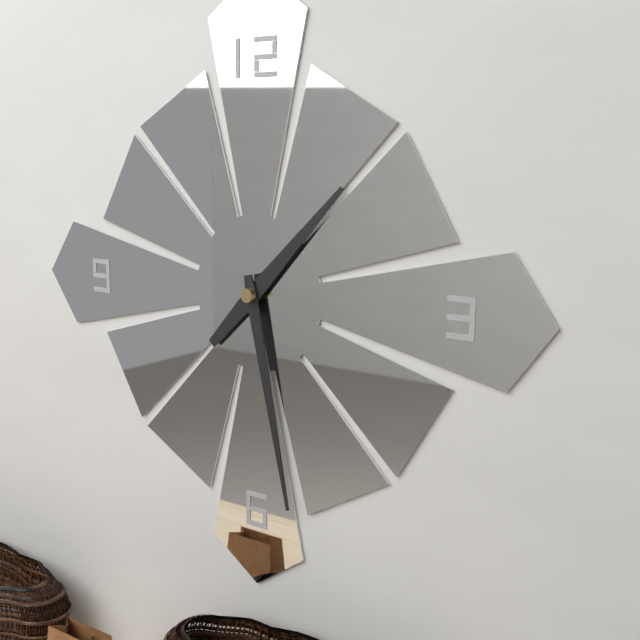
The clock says 1,28
